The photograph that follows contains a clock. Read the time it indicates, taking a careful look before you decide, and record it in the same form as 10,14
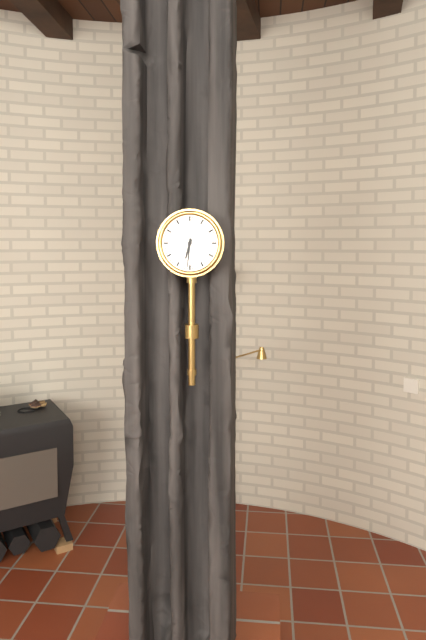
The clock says 6,31
